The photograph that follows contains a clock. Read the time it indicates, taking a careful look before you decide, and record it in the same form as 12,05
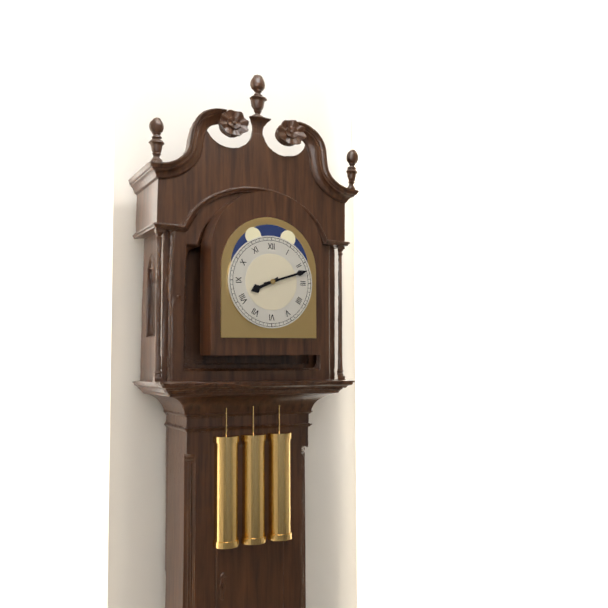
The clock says 8,12
